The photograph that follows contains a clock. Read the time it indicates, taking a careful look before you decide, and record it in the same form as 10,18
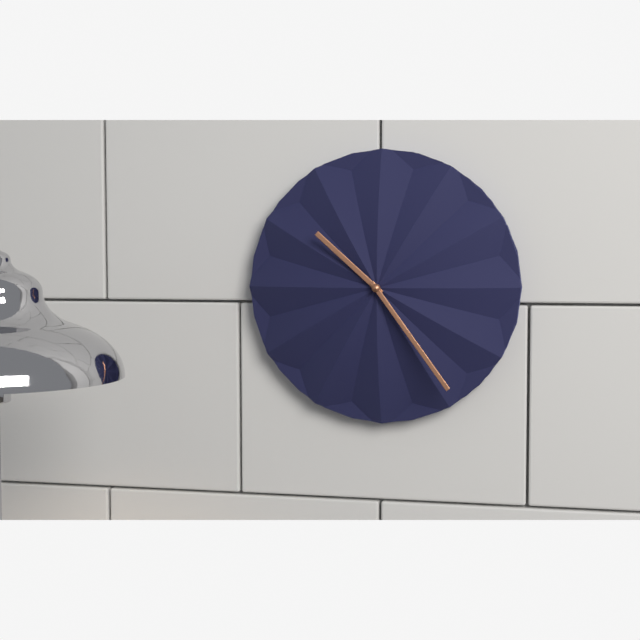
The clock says 10,24
